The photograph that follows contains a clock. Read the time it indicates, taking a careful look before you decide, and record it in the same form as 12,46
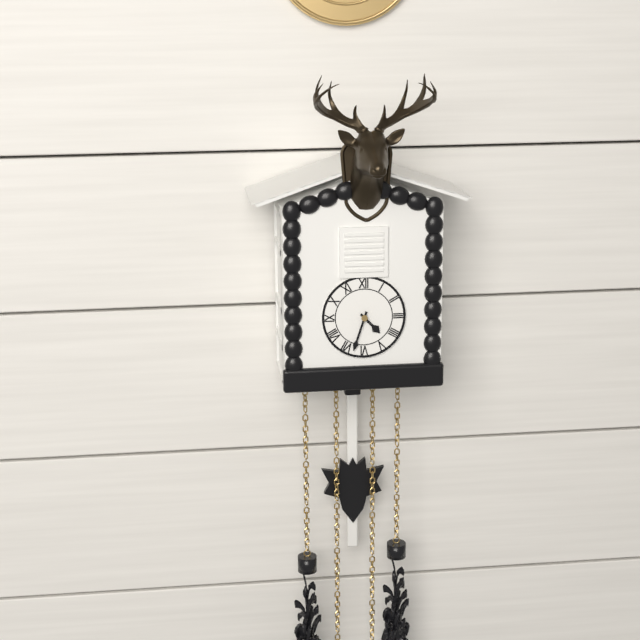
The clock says 4,33
